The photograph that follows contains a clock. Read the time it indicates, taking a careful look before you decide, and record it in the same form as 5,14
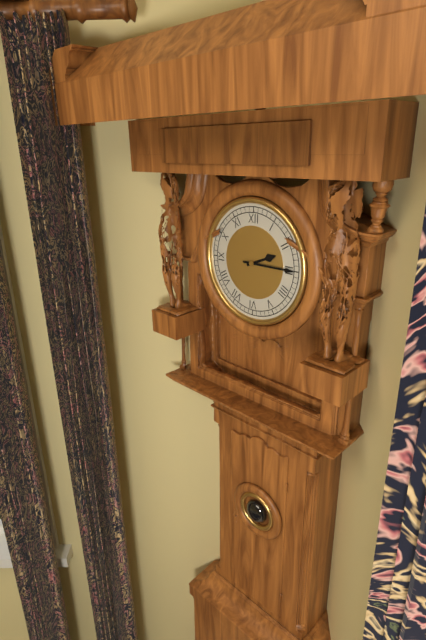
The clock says 2,15
